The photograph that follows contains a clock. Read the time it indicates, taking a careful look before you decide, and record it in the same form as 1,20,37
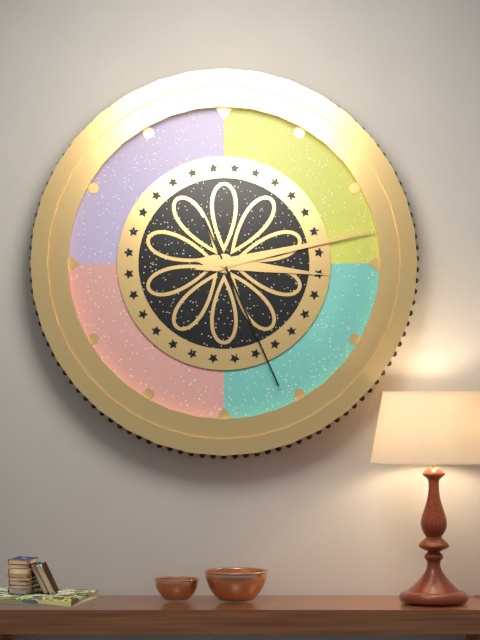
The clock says 3,13,26
